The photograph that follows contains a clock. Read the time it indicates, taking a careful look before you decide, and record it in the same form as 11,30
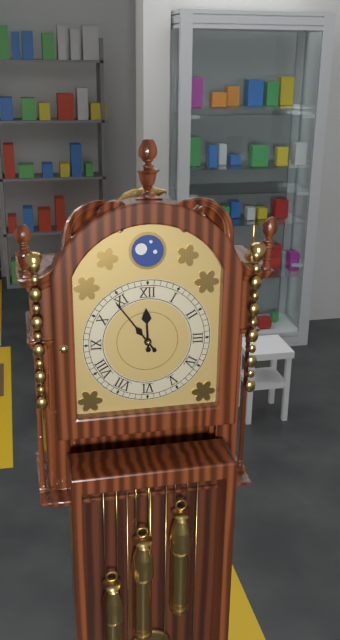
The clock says 11,54
